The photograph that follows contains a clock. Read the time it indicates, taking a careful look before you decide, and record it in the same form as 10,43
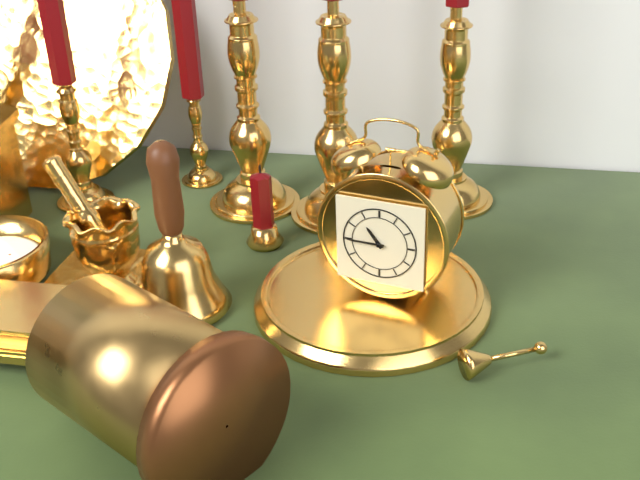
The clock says 10,45
